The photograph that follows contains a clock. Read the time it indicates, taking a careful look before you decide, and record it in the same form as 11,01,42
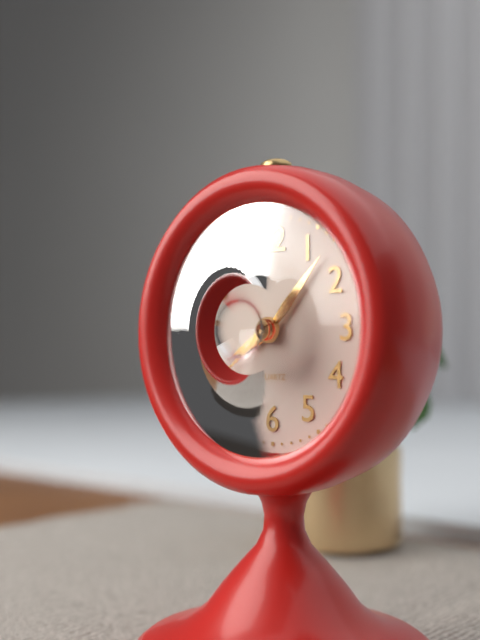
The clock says 8,07,39
